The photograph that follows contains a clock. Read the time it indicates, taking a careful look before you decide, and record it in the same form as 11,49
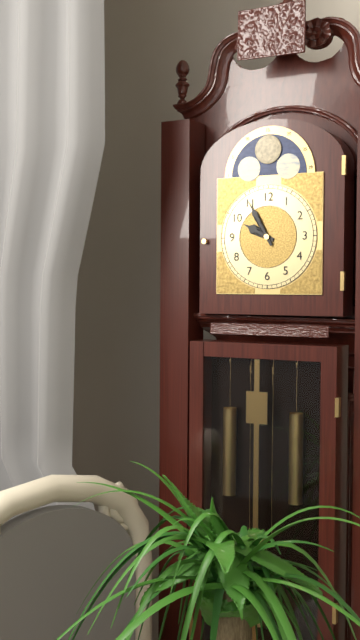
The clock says 9,55
